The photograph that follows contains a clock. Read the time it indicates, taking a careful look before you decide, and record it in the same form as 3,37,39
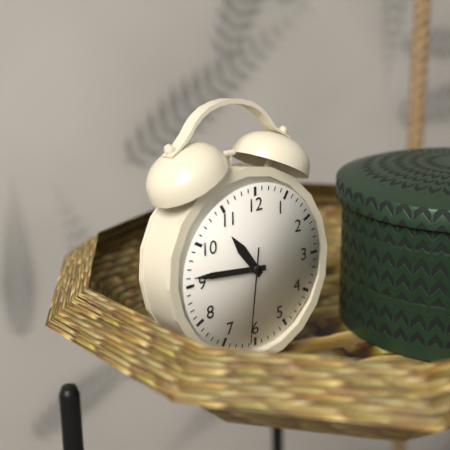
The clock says 10,46,31
